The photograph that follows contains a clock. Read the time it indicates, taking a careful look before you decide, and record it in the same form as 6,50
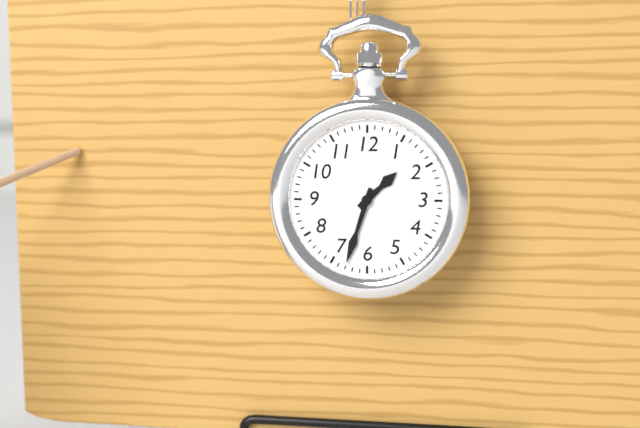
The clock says 1,33
